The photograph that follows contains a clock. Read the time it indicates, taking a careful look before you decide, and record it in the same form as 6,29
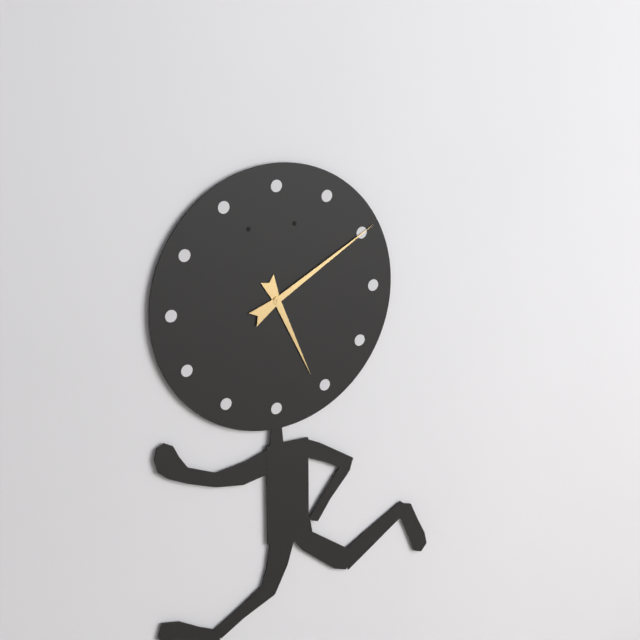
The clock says 5,10
